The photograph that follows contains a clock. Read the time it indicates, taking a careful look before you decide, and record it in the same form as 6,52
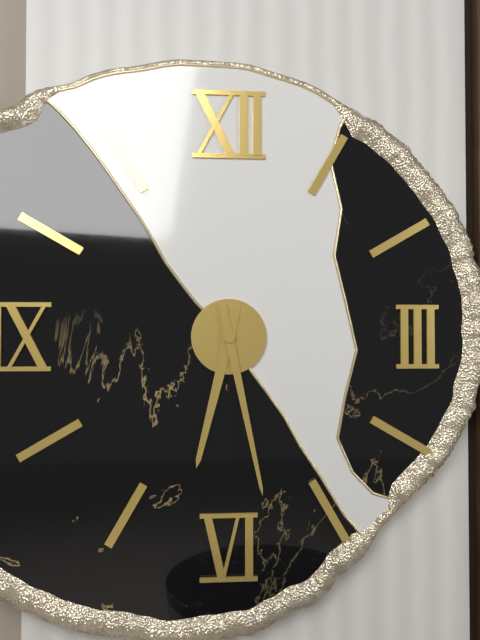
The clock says 6,28
